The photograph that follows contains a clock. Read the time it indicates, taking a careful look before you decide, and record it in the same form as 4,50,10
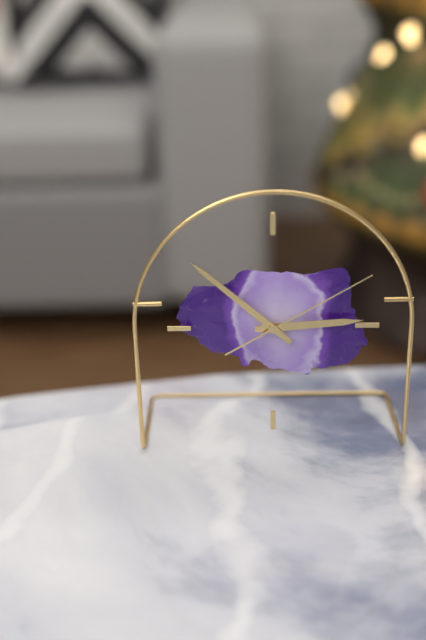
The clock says 2,52,10
